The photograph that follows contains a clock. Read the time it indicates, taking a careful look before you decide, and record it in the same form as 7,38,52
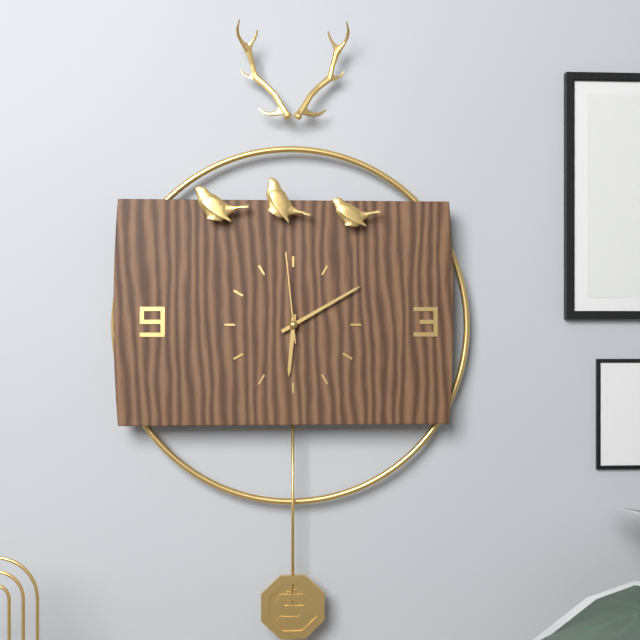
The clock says 6,10,59
